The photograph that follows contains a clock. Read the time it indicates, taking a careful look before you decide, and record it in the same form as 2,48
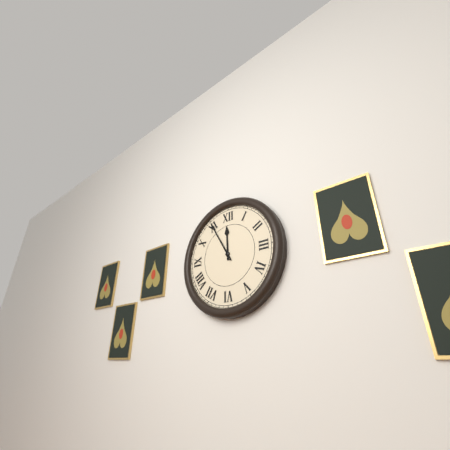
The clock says 11,55
